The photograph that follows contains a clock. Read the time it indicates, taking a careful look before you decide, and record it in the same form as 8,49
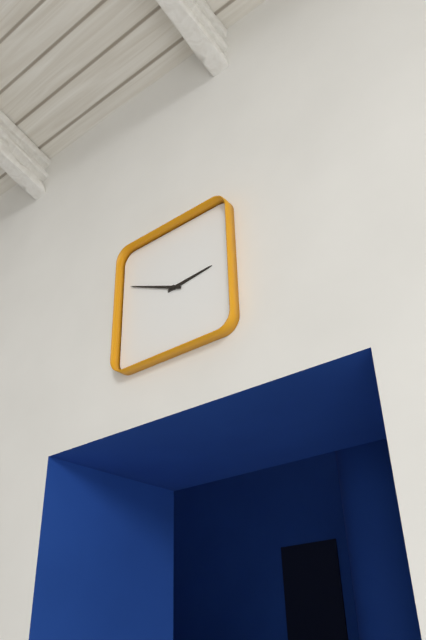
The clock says 2,49
